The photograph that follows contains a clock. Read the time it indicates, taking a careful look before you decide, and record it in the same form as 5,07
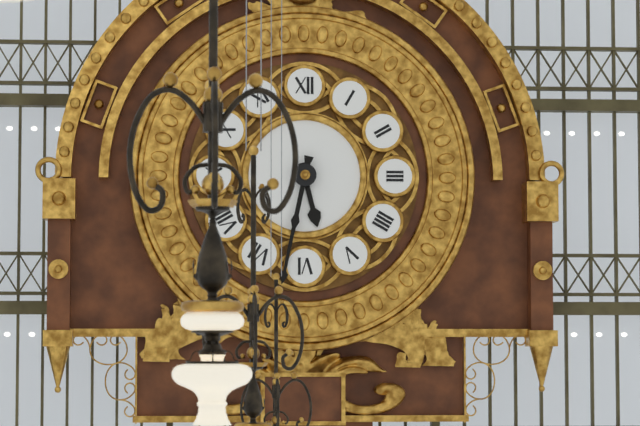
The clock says 5,32
